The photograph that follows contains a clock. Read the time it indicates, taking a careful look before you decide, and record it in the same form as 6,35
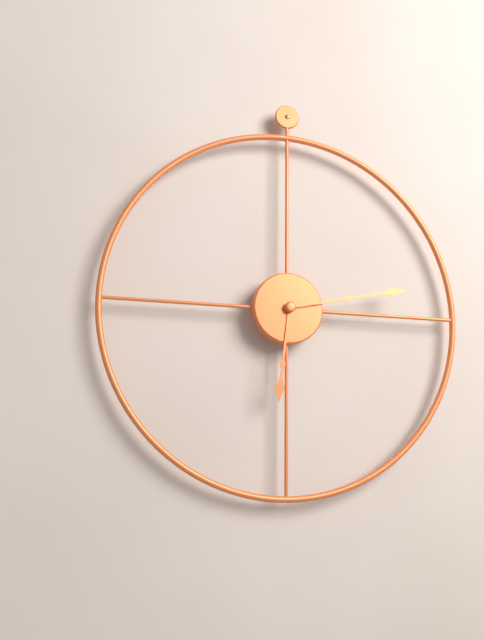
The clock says 6,13
